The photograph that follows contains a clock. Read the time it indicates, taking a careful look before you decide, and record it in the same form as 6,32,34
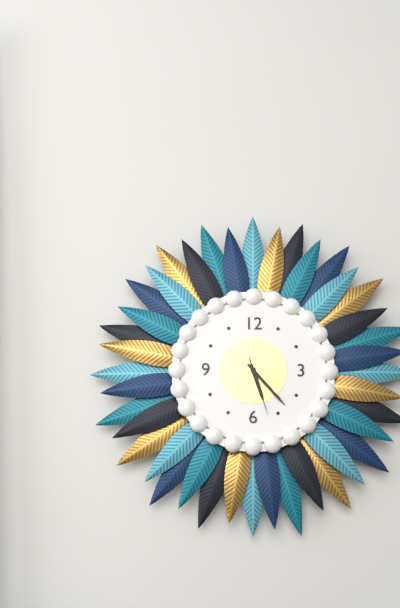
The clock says 5,23,27
